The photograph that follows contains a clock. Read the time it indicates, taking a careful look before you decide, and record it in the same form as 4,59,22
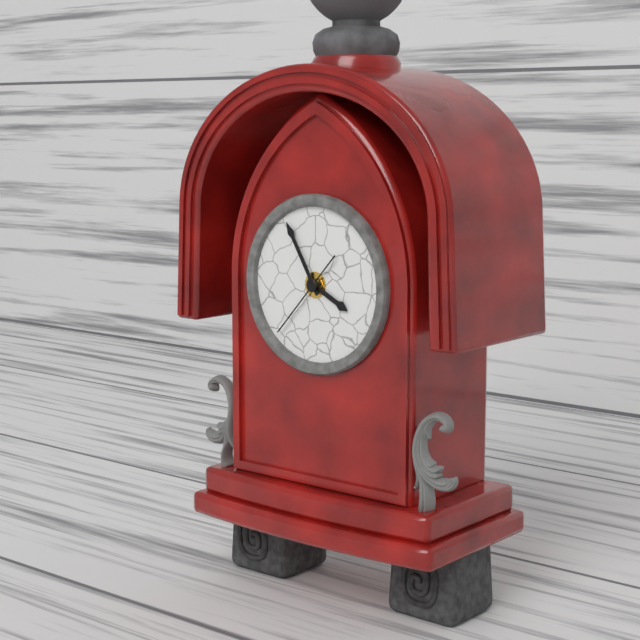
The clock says 3,55,37
